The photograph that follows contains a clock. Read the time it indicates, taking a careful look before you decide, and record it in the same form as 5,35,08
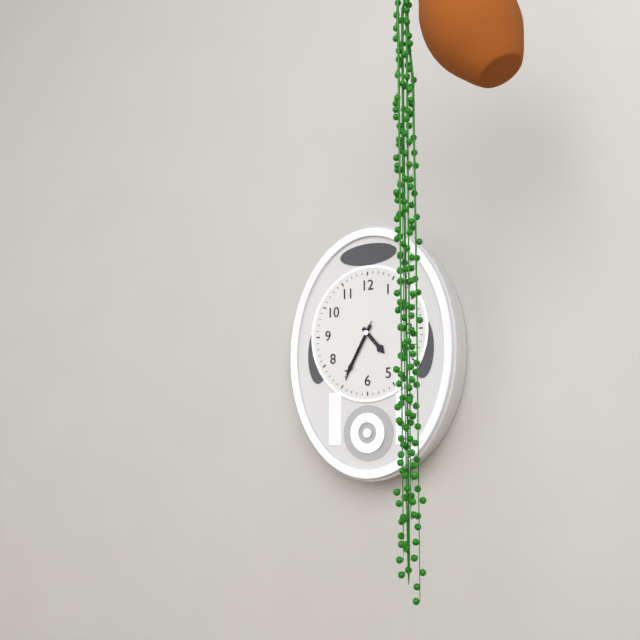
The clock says 4,35,35
